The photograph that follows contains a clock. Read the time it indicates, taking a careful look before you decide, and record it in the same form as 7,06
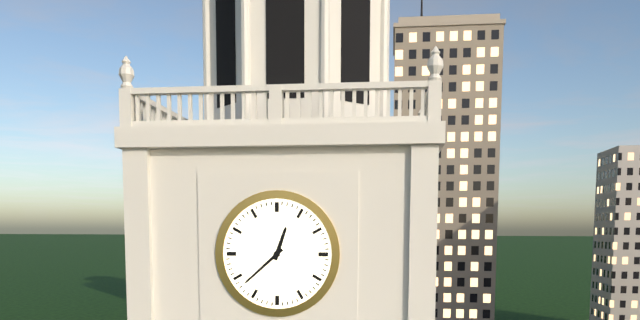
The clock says 12,38
